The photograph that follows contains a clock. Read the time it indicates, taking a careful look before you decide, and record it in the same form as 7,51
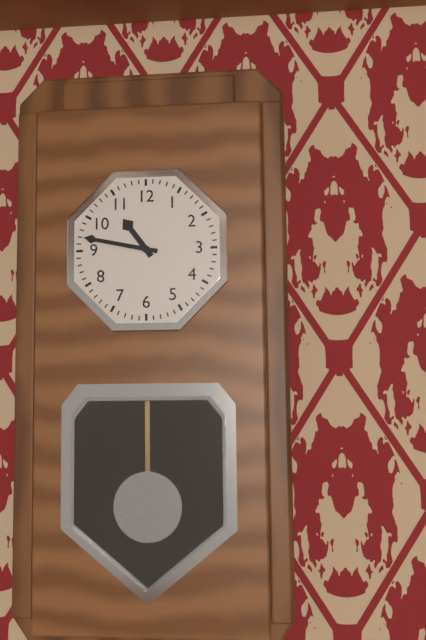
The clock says 10,47
